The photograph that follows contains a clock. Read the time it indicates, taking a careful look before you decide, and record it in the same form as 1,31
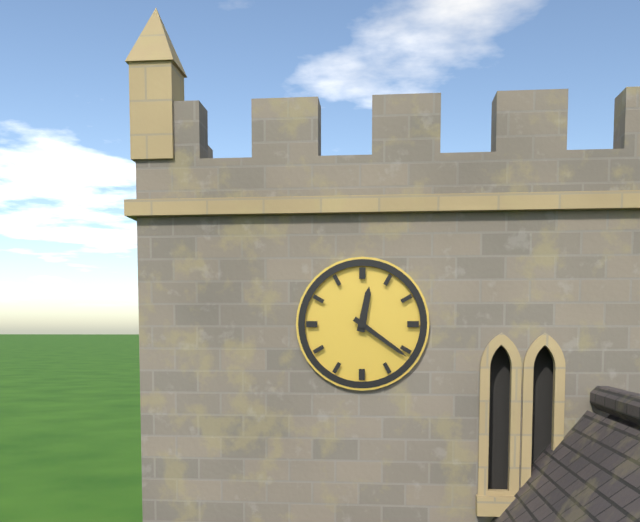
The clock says 12,21
